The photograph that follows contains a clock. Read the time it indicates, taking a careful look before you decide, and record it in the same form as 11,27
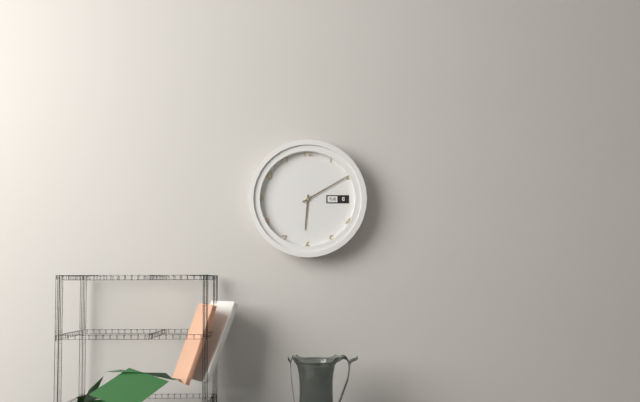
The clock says 6,10
